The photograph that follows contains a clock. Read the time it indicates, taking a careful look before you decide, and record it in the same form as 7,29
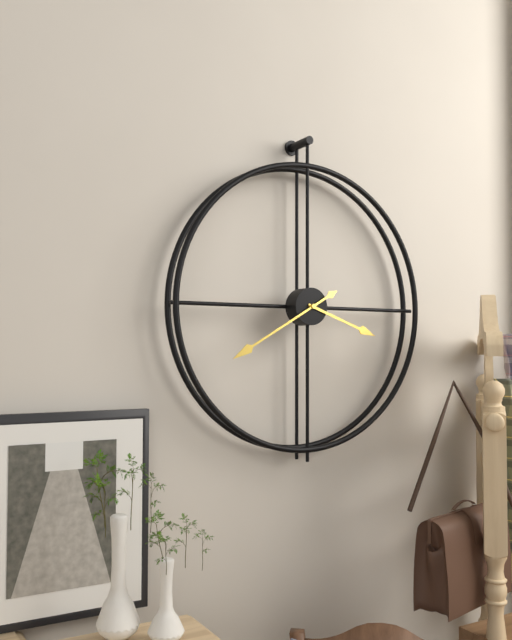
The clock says 3,40
